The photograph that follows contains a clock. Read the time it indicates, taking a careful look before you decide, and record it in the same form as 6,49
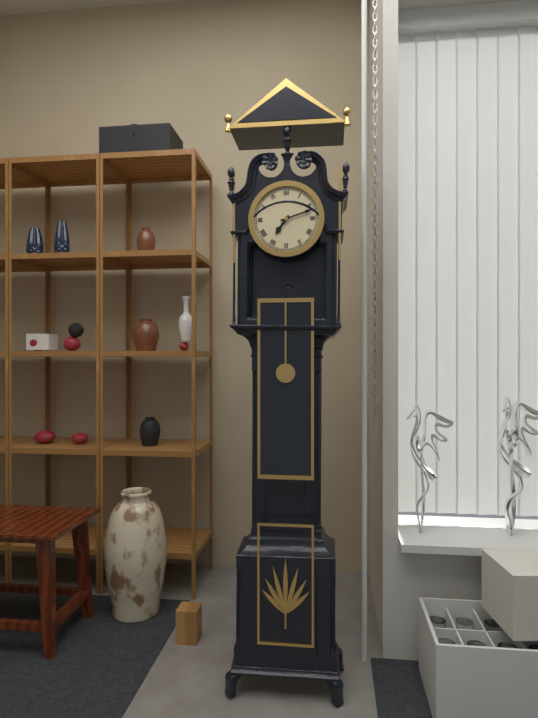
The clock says 7,12
